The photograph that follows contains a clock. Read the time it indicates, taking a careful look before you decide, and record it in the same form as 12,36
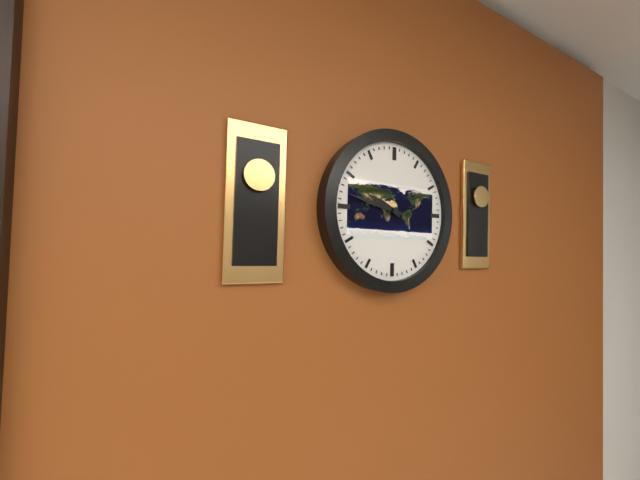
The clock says 9,47
